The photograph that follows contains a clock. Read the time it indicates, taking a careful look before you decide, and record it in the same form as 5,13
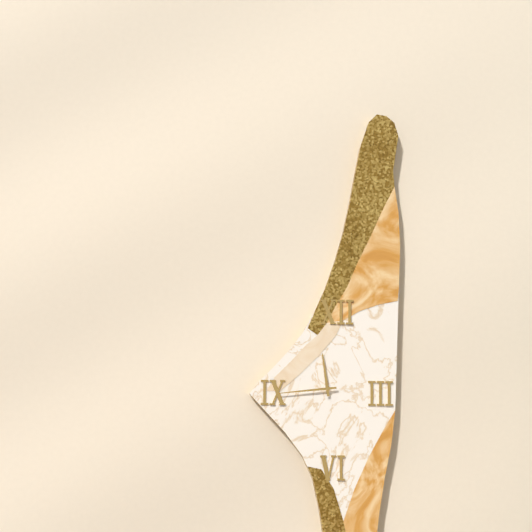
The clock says 11,44
